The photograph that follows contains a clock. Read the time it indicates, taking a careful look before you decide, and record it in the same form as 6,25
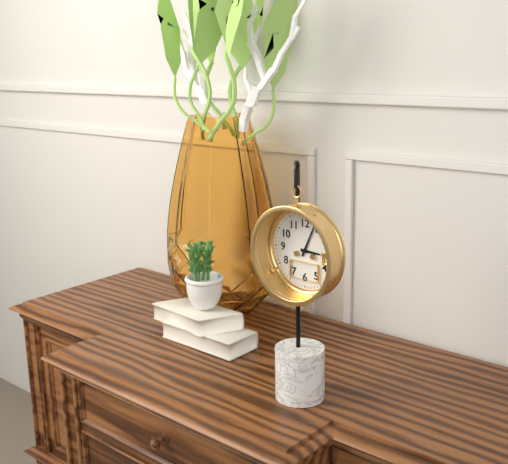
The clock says 3,04
